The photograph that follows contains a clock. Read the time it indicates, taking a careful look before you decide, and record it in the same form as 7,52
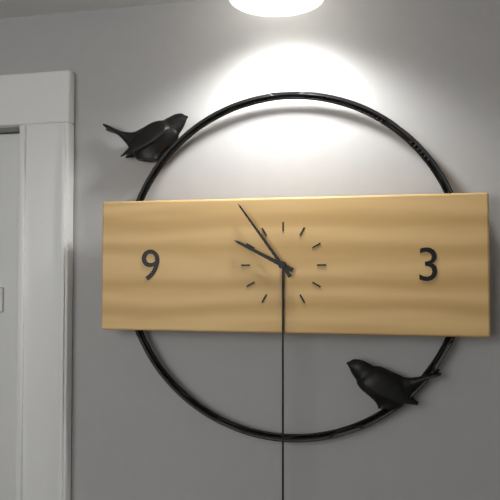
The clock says 9,54
